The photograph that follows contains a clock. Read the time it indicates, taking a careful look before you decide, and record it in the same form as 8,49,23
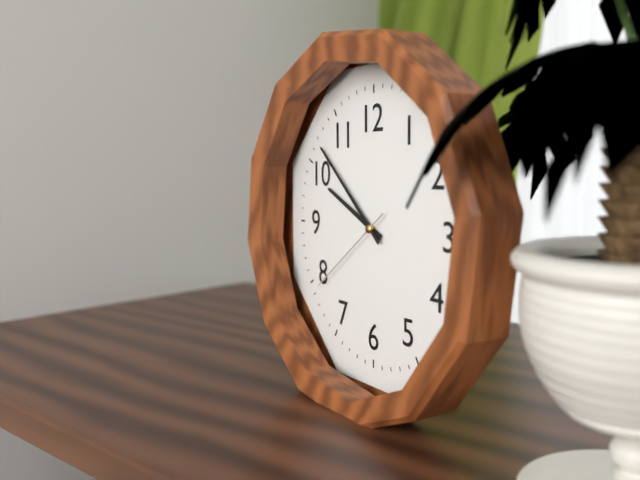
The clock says 9,52,39
